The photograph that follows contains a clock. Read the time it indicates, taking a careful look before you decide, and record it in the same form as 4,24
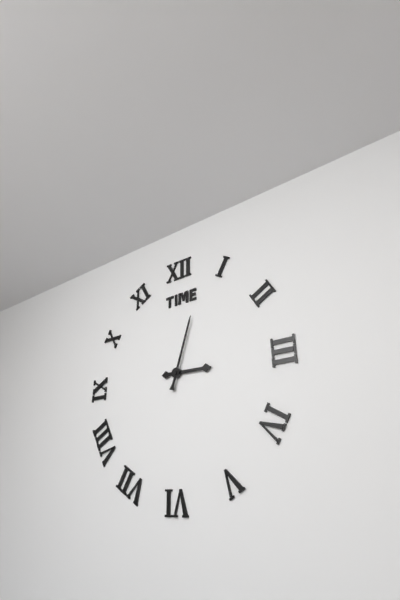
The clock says 3,03
